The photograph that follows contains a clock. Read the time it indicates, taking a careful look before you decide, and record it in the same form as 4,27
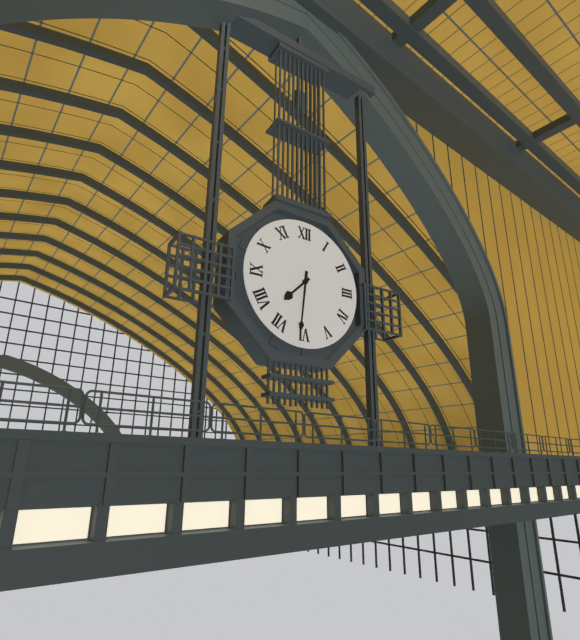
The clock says 7,31
